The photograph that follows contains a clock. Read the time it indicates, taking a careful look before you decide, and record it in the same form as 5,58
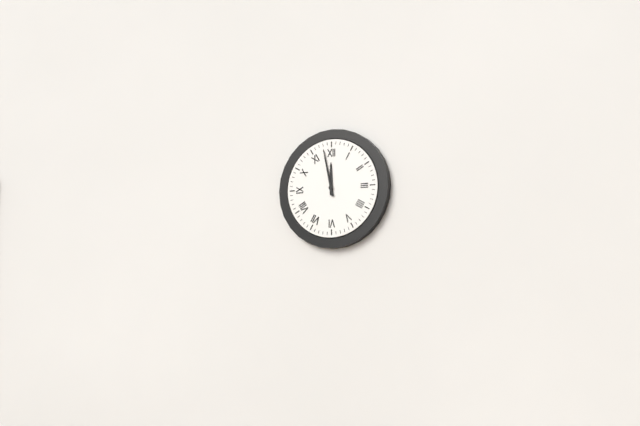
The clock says 11,58
